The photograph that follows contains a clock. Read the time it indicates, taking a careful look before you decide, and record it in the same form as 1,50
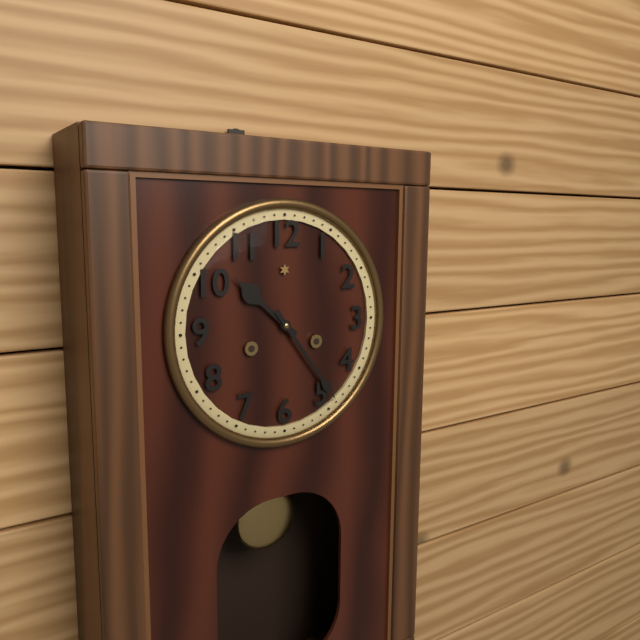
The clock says 10,24
